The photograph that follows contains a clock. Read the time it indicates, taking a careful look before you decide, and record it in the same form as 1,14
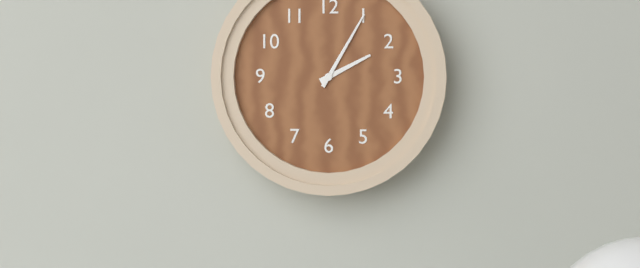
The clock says 2,05
